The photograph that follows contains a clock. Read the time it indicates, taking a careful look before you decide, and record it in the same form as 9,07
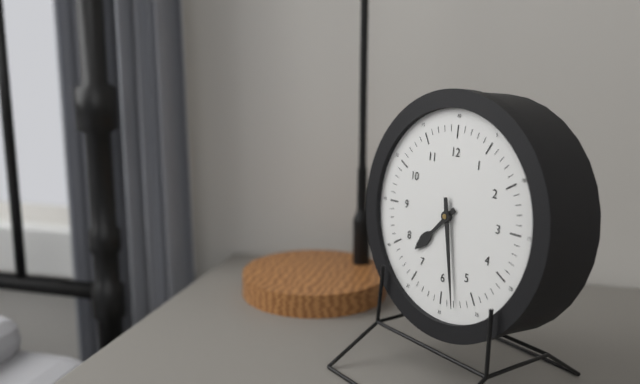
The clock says 7,28
